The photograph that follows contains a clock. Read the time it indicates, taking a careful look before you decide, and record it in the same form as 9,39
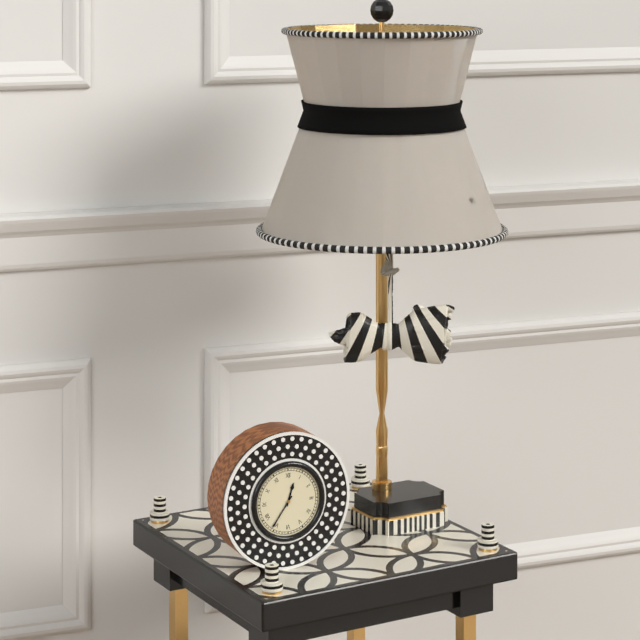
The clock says 12,36
